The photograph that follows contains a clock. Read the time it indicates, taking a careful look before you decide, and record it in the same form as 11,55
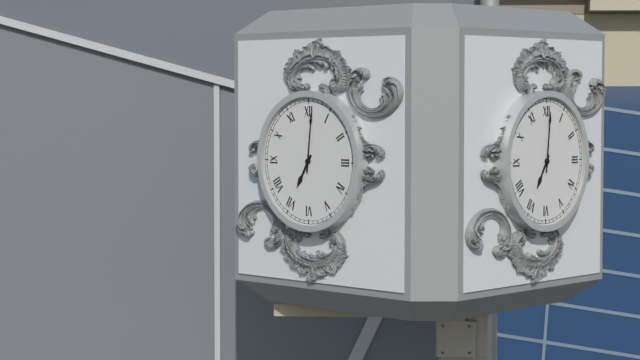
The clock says 7,01
